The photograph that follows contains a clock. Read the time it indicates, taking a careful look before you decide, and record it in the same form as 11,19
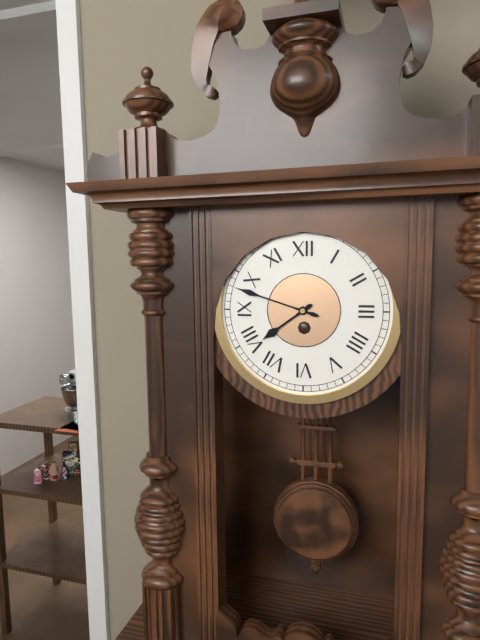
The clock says 7,48
